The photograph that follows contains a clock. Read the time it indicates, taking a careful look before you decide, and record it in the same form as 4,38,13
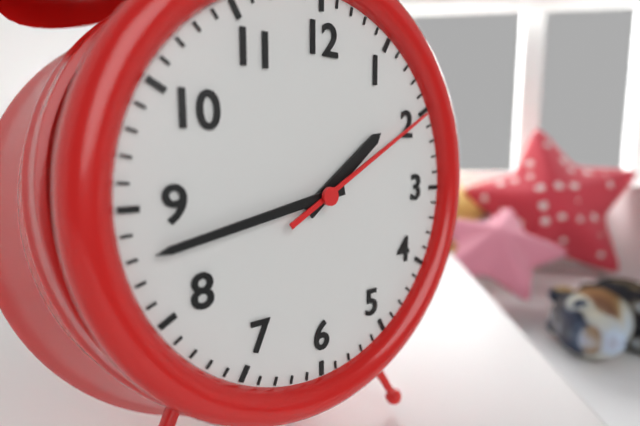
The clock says 1,43,10
